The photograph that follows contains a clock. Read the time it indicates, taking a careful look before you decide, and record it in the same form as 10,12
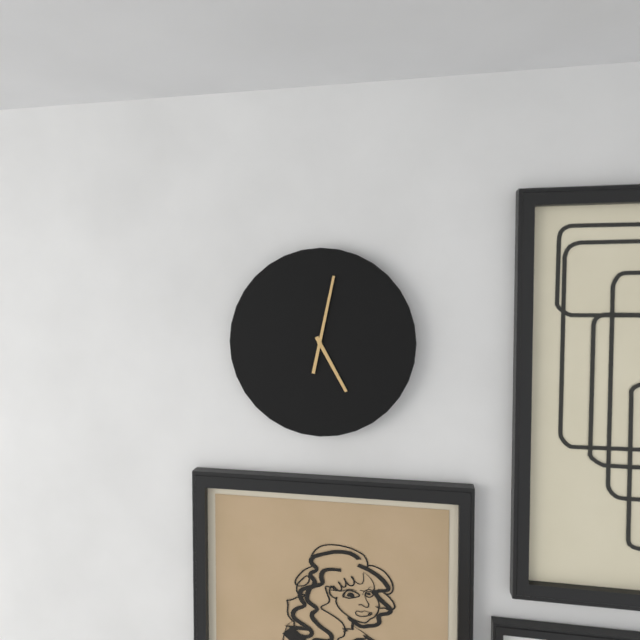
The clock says 5,02
